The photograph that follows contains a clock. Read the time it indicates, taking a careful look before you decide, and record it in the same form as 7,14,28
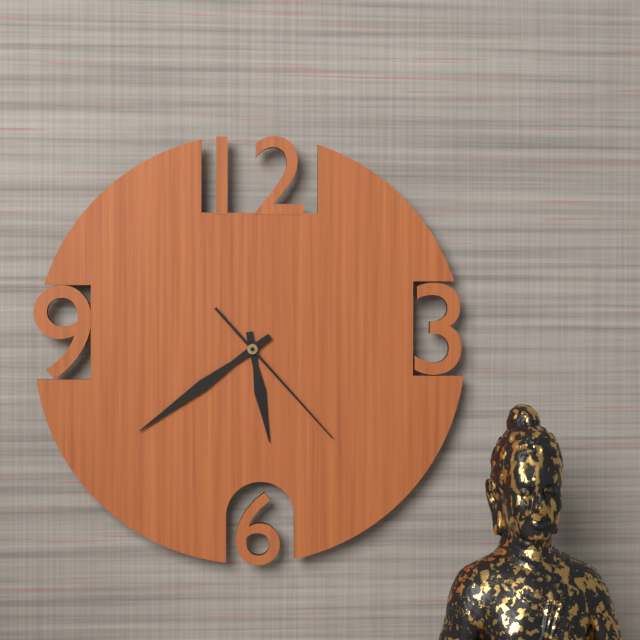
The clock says 5,39,23
